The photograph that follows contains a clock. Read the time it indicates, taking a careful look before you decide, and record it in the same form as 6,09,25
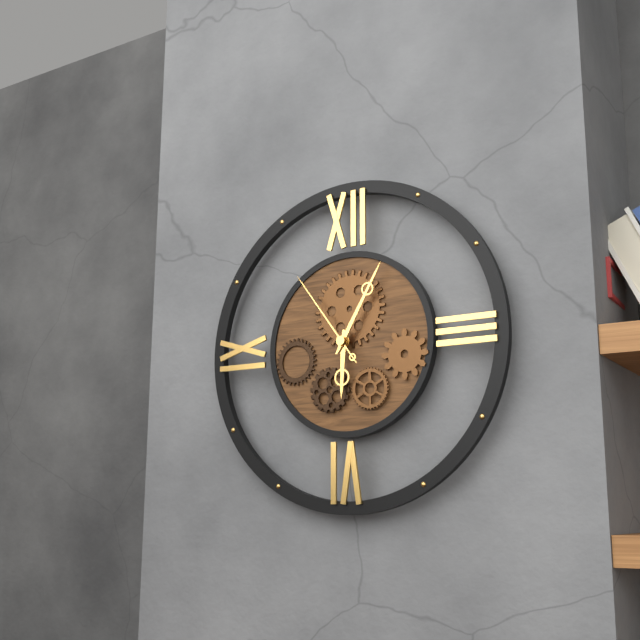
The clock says 6,05,54
